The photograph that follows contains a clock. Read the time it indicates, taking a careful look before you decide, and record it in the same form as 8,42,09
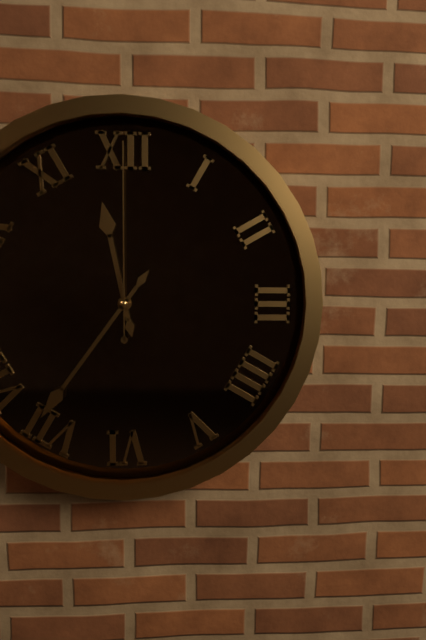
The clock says 11,36,00
